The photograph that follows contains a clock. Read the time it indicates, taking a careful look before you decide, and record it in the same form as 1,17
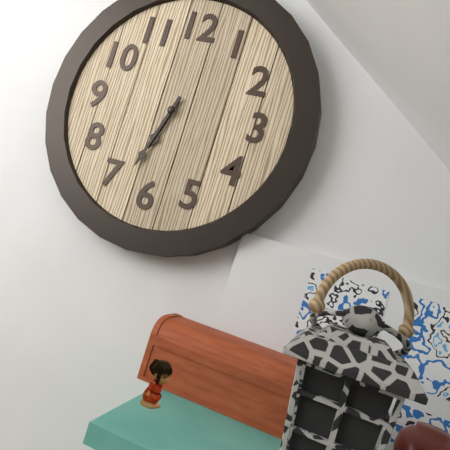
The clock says 6,33
